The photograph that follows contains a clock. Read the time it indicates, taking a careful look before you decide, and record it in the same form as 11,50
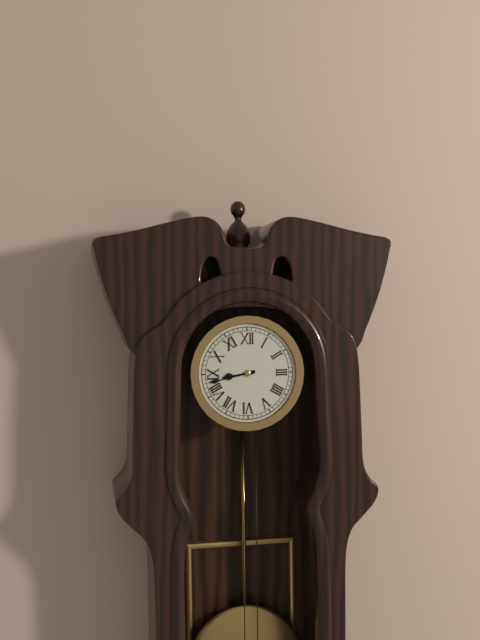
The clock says 8,43
